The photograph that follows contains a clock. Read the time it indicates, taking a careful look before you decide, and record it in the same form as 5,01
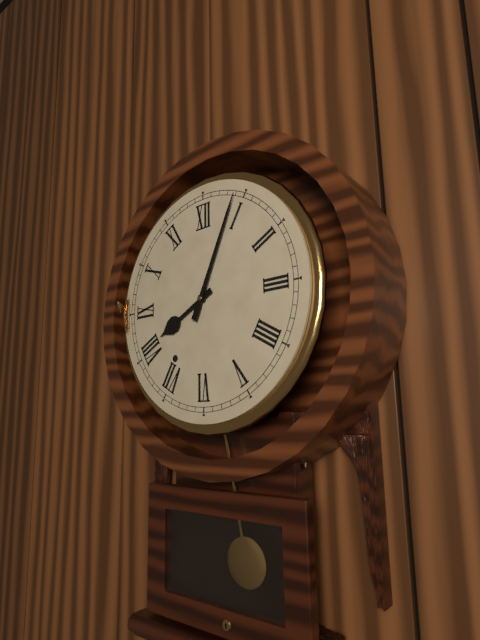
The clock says 8,04
